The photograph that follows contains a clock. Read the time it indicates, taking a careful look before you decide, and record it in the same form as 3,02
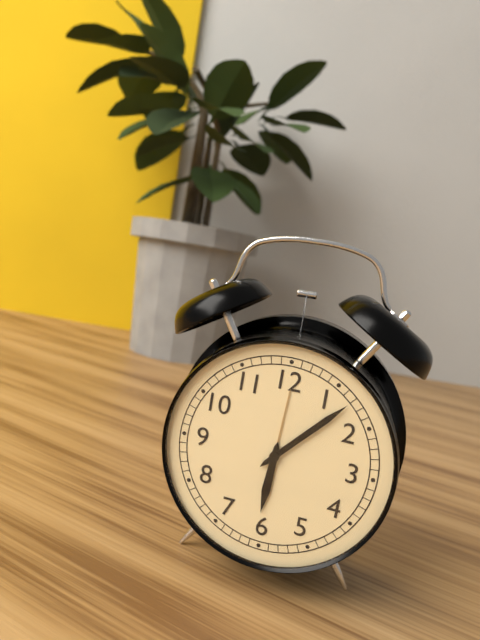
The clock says 6,07
